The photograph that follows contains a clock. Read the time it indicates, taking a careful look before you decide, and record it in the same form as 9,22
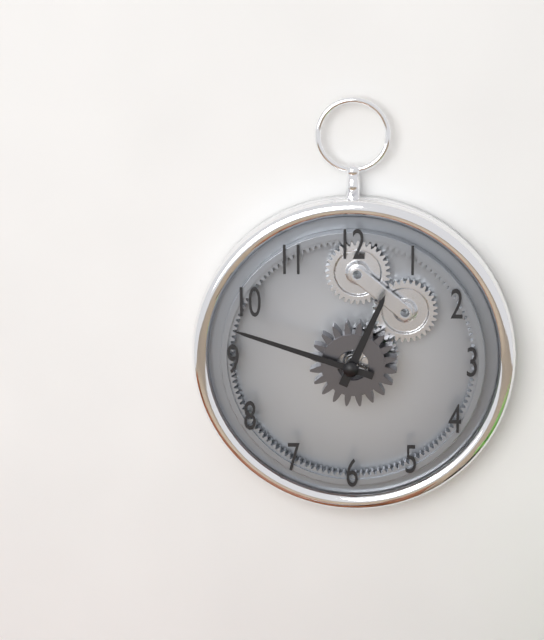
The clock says 12,48
